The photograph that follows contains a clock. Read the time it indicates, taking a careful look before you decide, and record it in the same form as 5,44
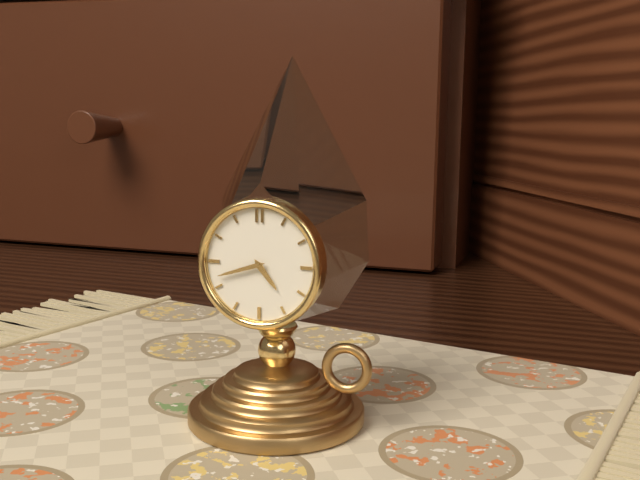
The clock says 4,42
